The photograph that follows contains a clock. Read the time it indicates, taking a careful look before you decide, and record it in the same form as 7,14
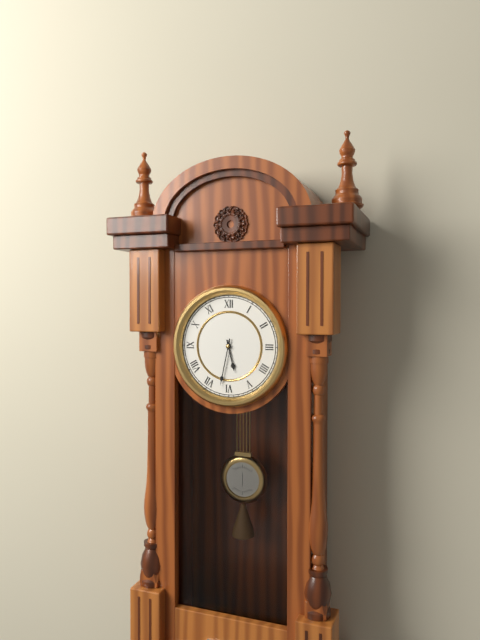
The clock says 5,32
